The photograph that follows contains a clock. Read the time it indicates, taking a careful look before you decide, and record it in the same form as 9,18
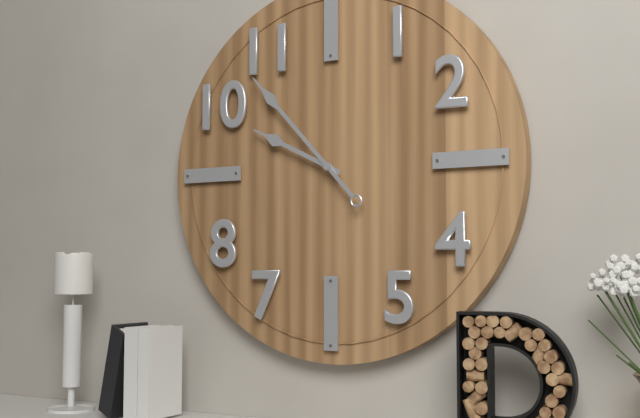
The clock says 9,53
